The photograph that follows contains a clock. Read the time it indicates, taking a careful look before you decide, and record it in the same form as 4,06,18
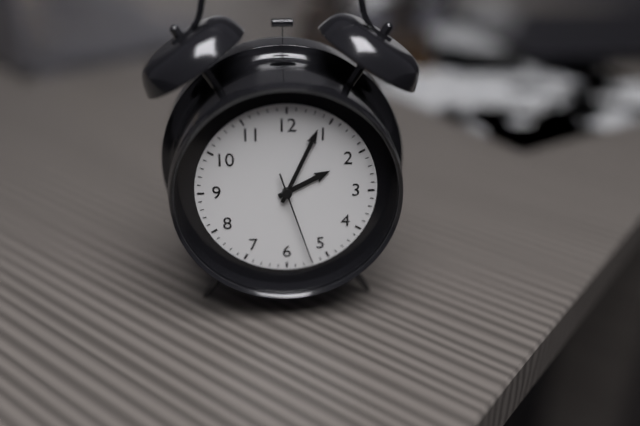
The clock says 2,04,27
